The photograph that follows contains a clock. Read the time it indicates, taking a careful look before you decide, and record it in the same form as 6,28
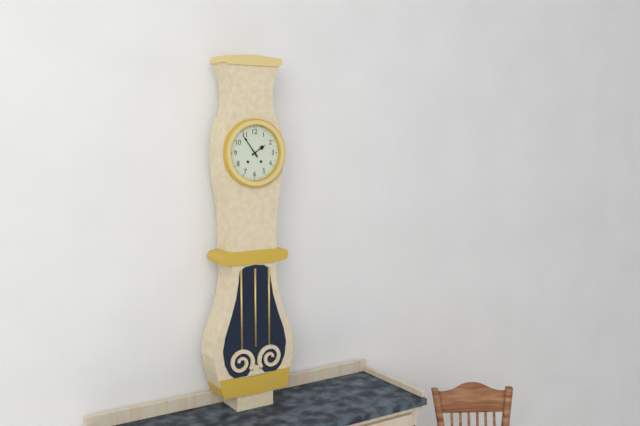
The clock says 1,54
